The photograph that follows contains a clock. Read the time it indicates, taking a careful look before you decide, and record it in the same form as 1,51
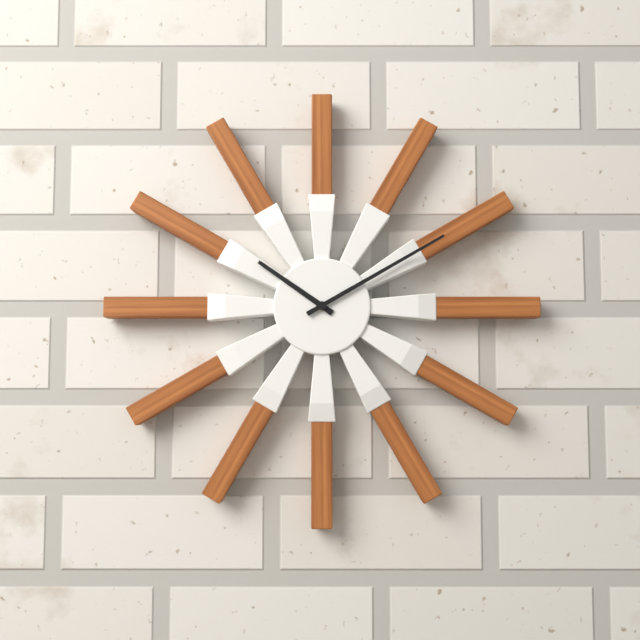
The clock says 10,10
